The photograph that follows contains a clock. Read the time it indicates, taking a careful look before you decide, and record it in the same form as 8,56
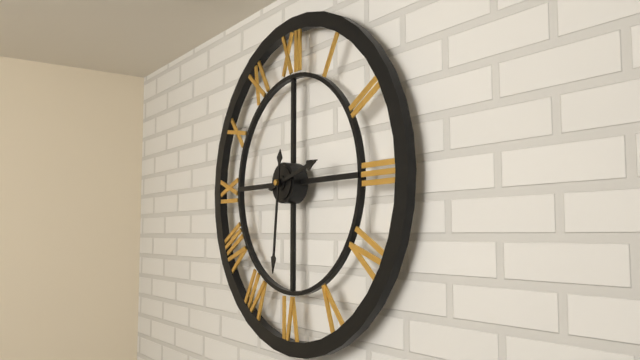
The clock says 2,31
